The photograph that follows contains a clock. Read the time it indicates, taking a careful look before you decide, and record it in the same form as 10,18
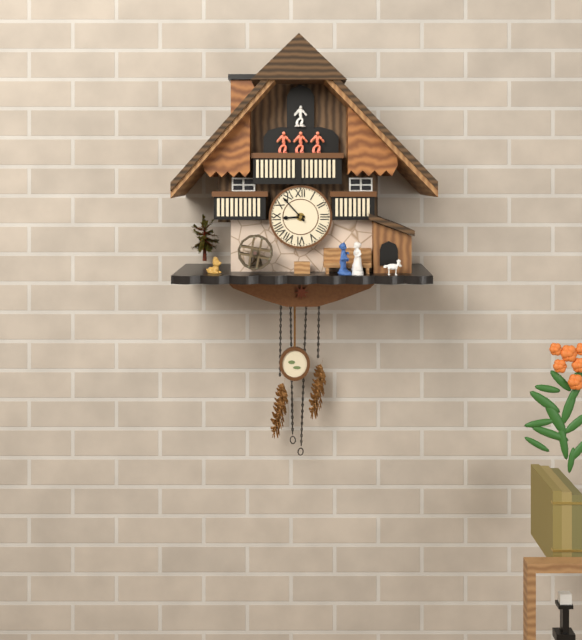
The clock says 8,53
